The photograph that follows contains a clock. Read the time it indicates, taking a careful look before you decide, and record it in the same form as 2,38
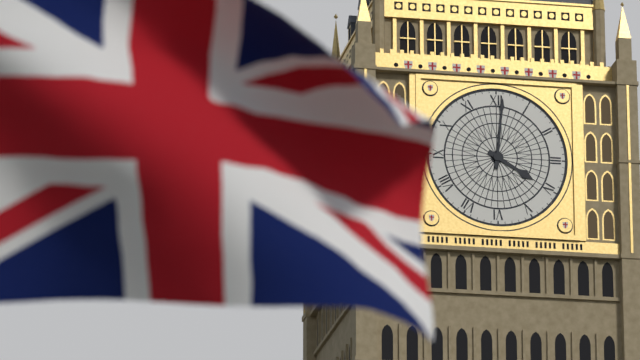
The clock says 4,01
